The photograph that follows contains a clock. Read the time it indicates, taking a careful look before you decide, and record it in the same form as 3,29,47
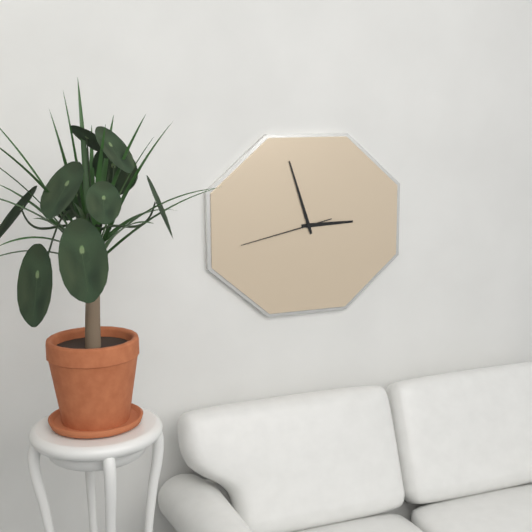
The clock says 2,57,43
